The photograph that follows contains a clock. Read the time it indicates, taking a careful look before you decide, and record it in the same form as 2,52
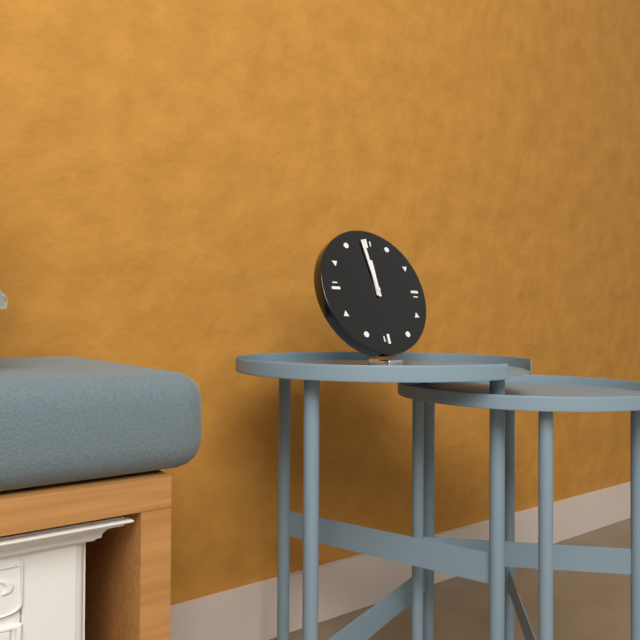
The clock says 11,59
